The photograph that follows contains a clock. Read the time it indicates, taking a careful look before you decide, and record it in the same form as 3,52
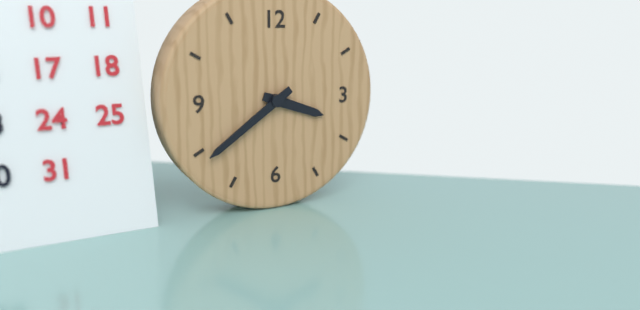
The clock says 3,39
